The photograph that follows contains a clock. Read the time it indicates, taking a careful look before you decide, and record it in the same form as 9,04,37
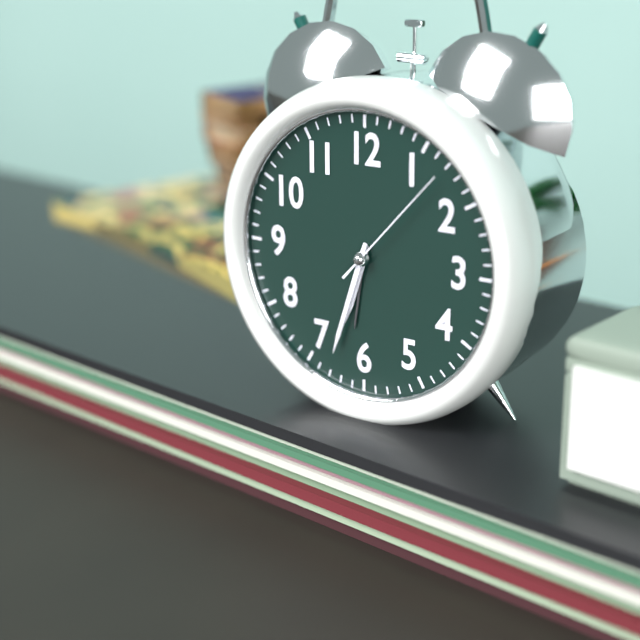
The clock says 6,33,07
